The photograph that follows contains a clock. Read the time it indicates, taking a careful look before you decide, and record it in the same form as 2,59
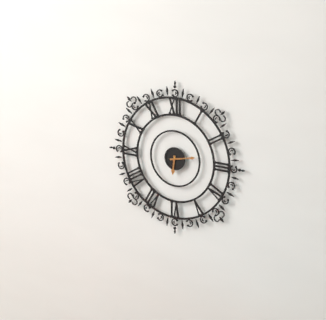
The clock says 6,13
